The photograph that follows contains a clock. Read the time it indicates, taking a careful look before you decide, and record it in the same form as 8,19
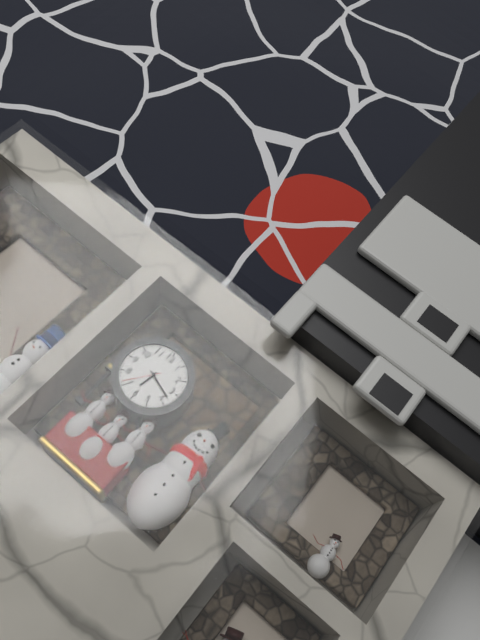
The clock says 6,18
